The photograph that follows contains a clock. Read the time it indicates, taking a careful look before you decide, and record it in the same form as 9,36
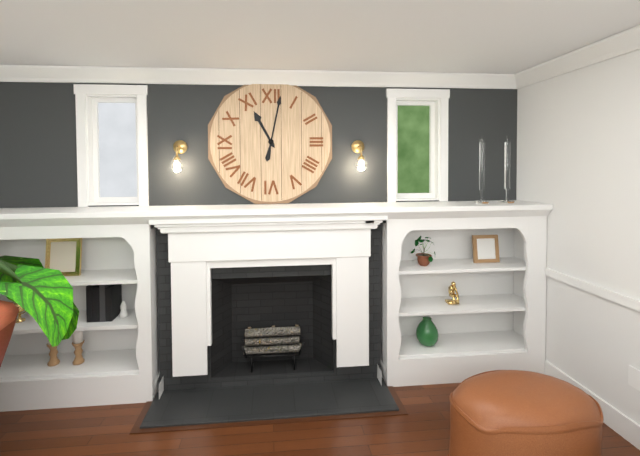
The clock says 11,02
